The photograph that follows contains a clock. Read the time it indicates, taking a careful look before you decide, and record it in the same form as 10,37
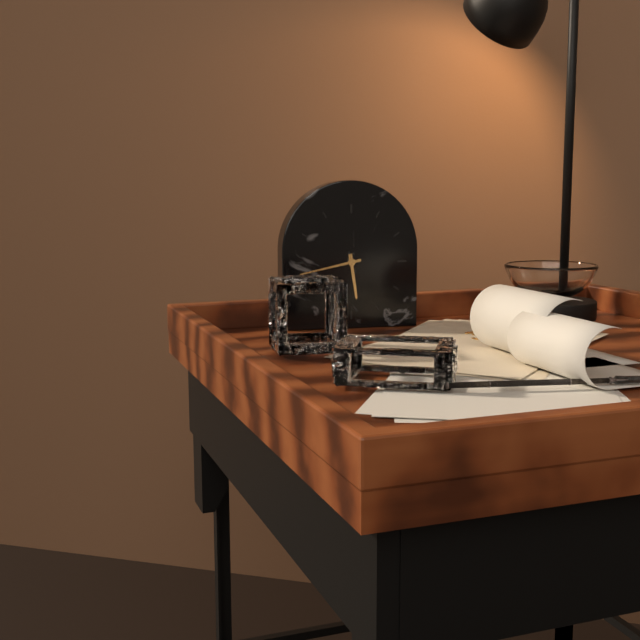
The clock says 5,43
